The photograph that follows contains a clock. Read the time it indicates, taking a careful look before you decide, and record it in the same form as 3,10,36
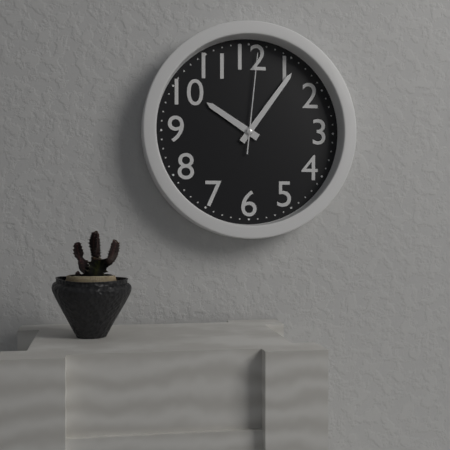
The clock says 10,06,01
